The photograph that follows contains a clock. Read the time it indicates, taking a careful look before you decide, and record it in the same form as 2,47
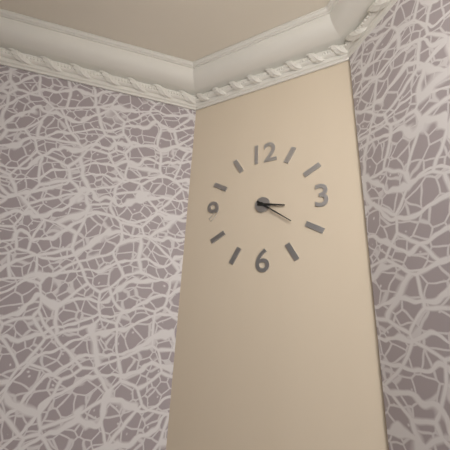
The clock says 3,21
